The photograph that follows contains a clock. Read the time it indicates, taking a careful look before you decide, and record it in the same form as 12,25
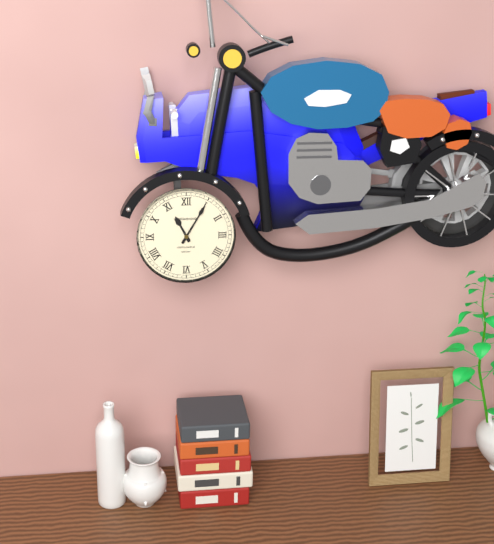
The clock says 11,05
